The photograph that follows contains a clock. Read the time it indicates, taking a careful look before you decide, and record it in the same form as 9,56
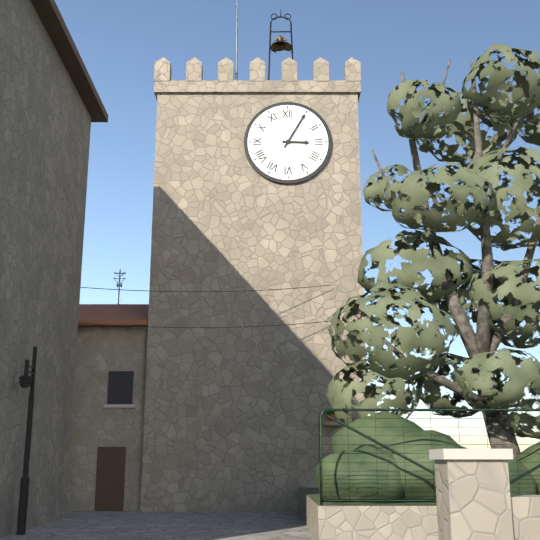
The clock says 3,05
